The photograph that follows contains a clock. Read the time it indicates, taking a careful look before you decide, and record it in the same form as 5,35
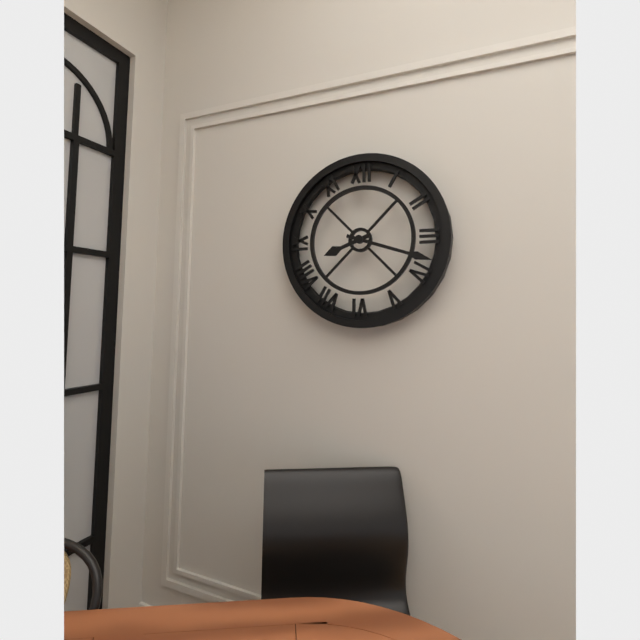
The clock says 8,18
